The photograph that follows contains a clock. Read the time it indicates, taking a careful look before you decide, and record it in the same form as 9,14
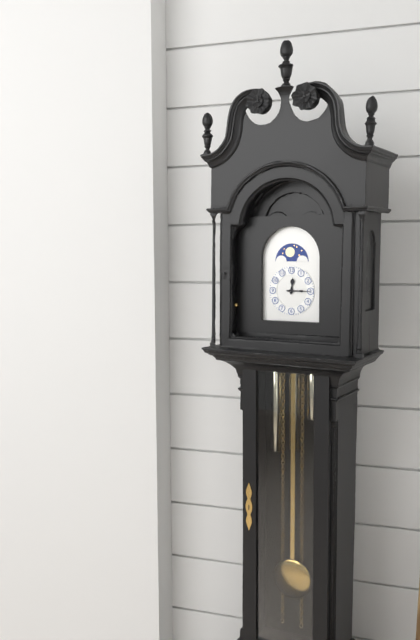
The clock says 12,15
